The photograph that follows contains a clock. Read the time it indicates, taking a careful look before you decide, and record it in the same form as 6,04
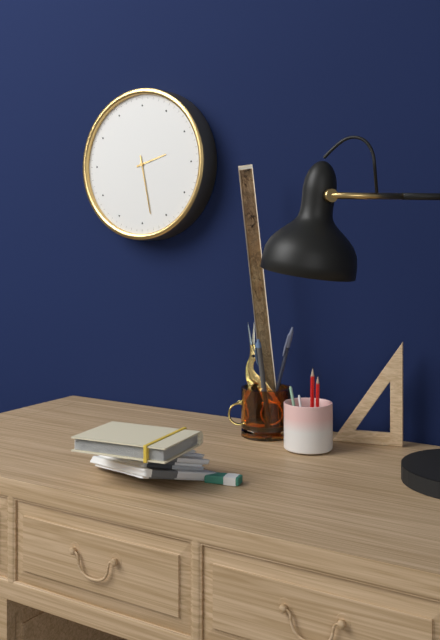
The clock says 2,28
